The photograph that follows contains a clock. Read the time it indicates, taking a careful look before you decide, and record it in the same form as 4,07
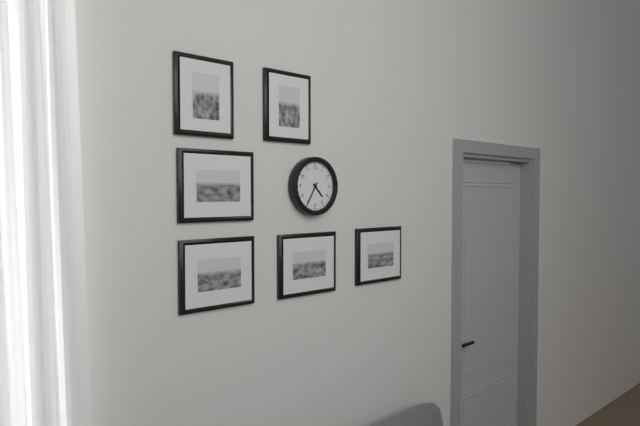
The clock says 4,35
